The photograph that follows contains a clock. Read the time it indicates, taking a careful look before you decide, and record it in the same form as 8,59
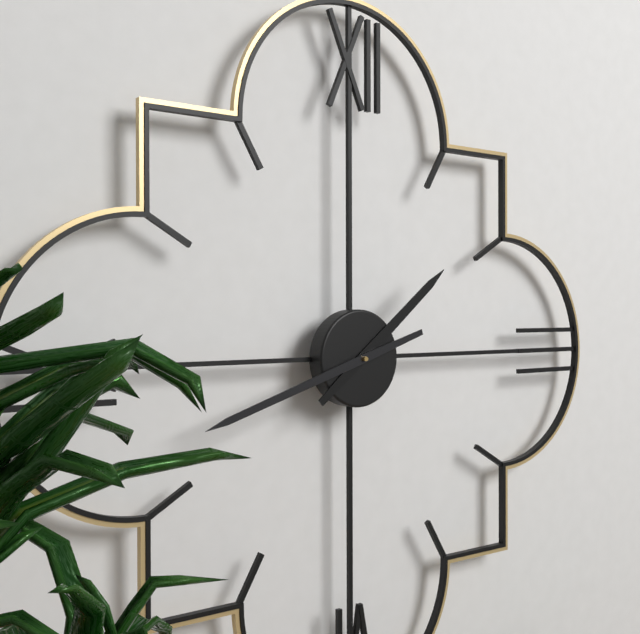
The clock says 1,42
